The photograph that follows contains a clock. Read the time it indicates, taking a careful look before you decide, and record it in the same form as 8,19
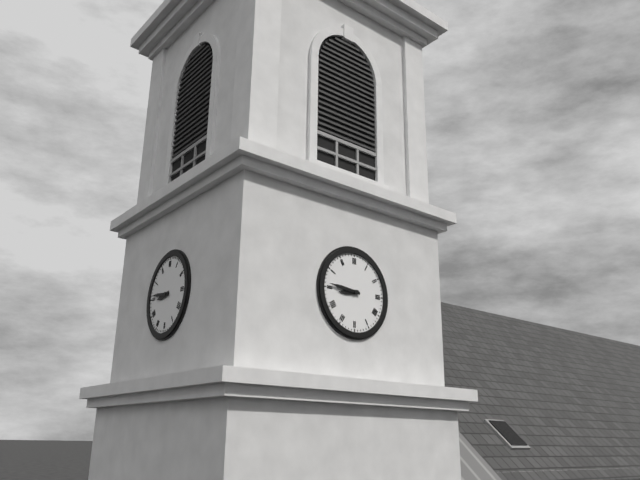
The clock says 8,46
